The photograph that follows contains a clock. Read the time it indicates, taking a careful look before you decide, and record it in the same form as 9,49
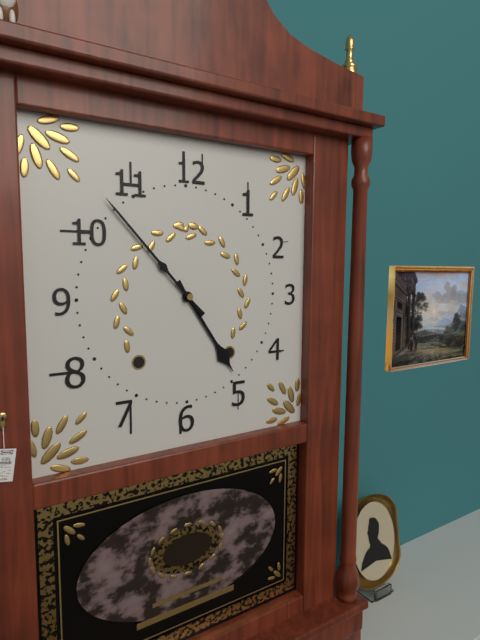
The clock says 4,53
